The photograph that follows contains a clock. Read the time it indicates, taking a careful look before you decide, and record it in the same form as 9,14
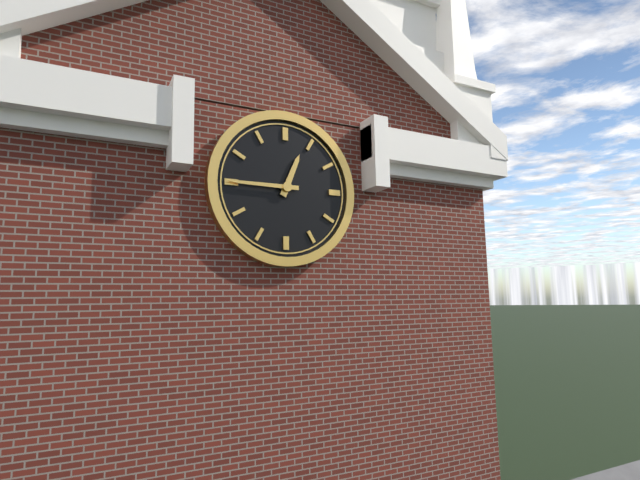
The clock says 12,45
